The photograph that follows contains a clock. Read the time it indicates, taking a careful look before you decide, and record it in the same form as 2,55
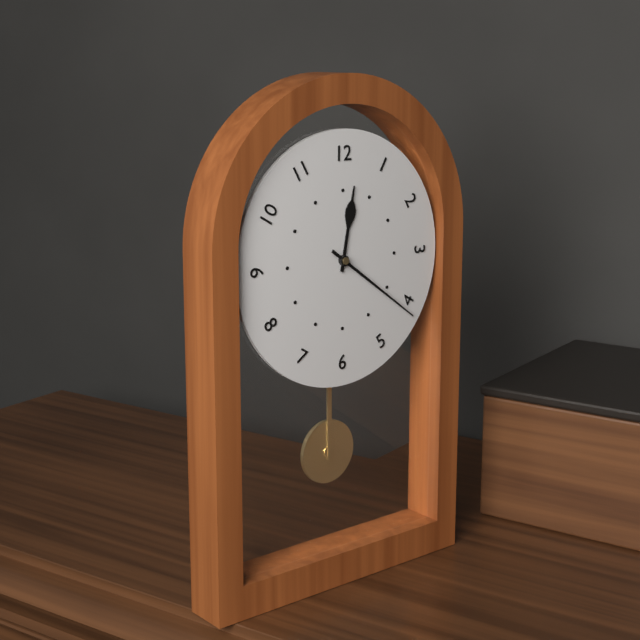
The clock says 12,21
